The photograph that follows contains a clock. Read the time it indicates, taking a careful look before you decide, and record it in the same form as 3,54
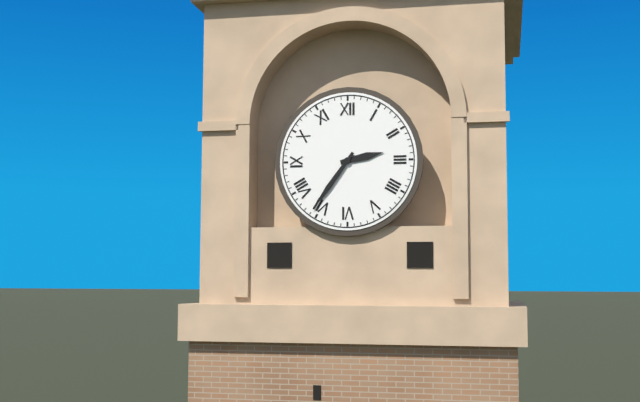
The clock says 2,36
